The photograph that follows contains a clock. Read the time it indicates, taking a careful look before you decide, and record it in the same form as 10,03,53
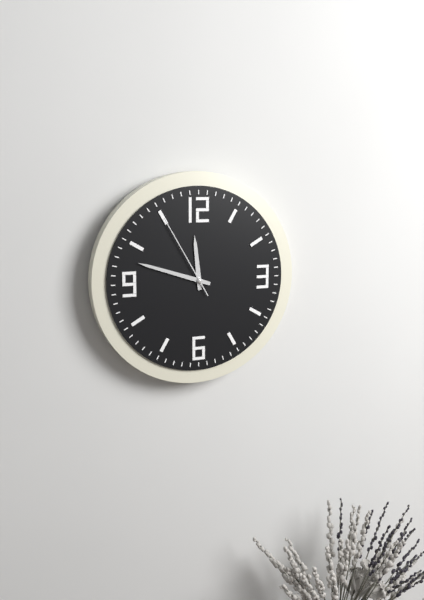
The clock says 11,48,55
